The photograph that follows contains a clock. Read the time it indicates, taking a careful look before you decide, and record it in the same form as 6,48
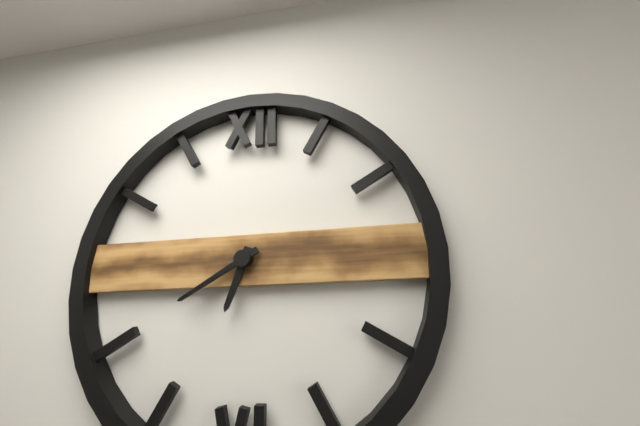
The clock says 6,40
